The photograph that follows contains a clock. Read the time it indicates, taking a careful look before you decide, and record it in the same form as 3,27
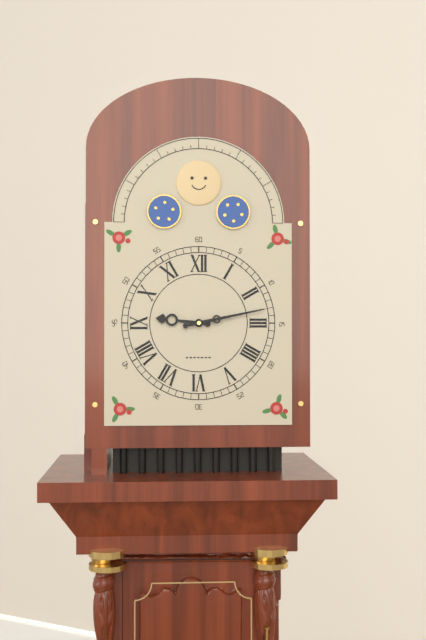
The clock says 9,13
